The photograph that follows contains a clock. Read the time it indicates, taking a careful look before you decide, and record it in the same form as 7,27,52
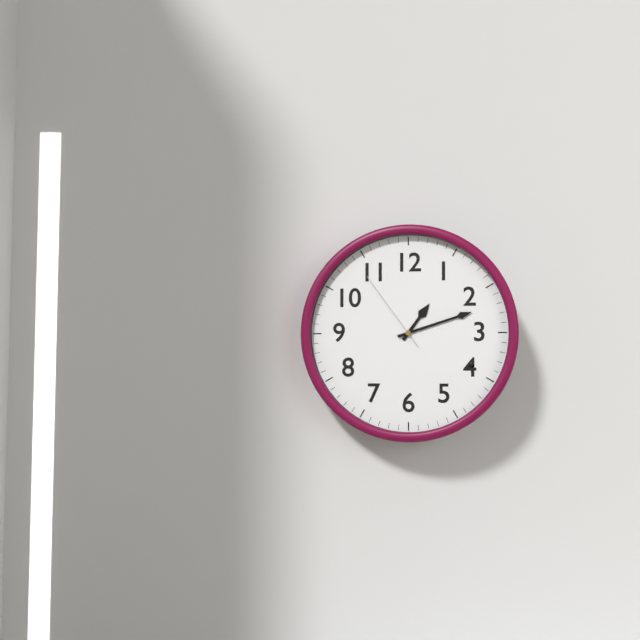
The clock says 1,12,54
